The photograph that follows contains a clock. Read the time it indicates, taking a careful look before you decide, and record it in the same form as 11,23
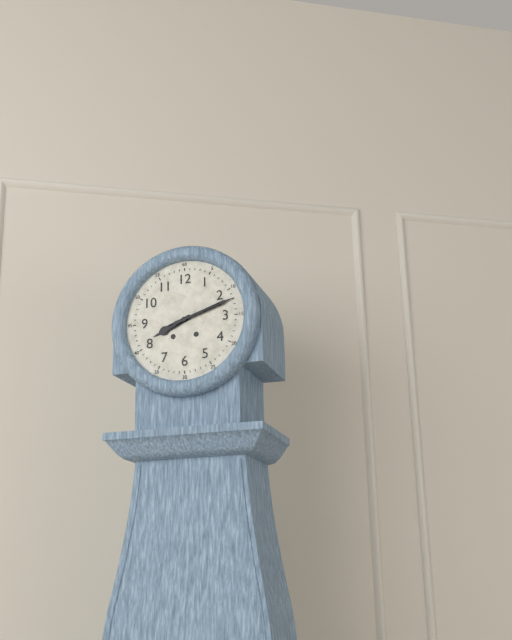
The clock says 8,12
